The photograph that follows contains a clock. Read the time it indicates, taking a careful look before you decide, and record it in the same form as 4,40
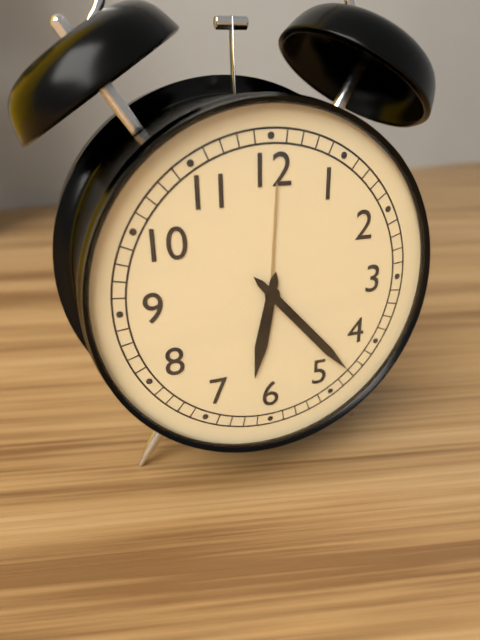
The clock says 6,23
